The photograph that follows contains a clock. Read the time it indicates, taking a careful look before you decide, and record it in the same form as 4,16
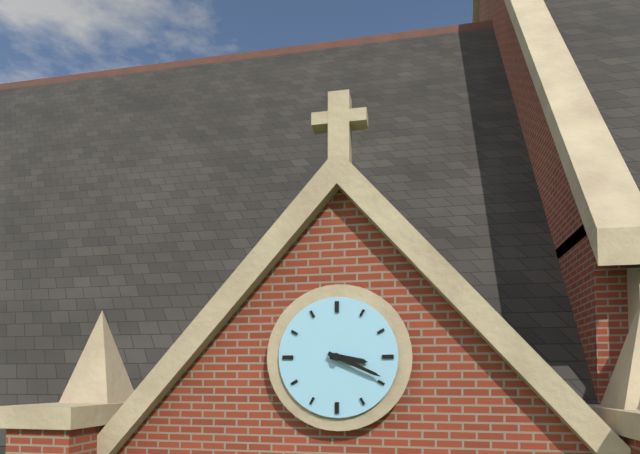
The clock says 3,19
